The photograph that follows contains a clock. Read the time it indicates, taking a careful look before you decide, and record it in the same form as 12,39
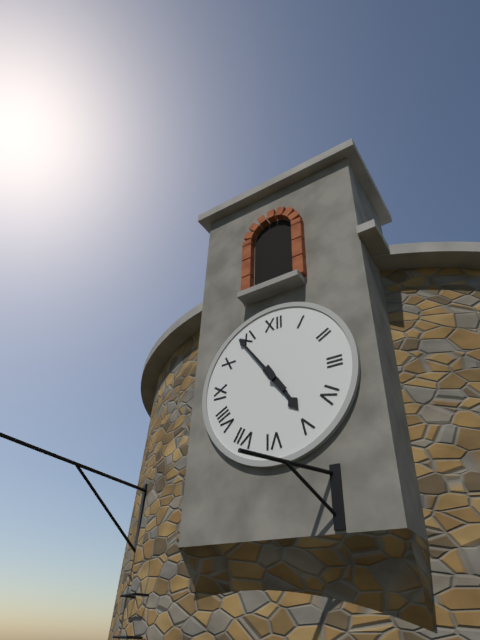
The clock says 4,54
